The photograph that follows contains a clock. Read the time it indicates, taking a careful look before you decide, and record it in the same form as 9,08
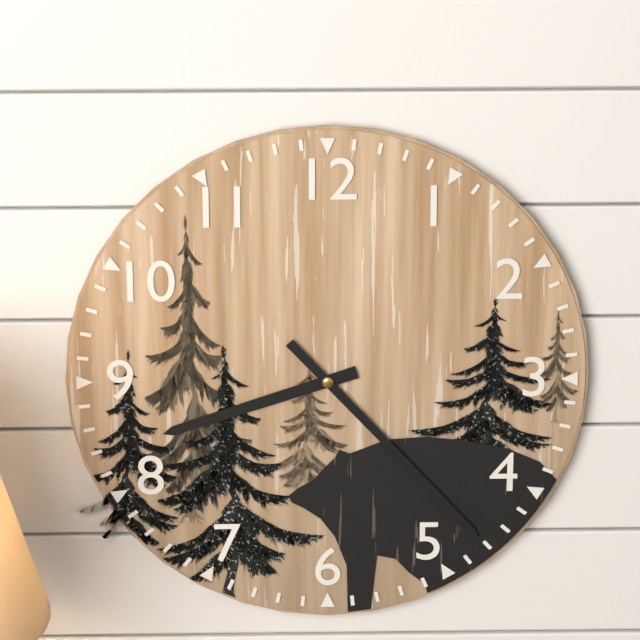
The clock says 8,23
